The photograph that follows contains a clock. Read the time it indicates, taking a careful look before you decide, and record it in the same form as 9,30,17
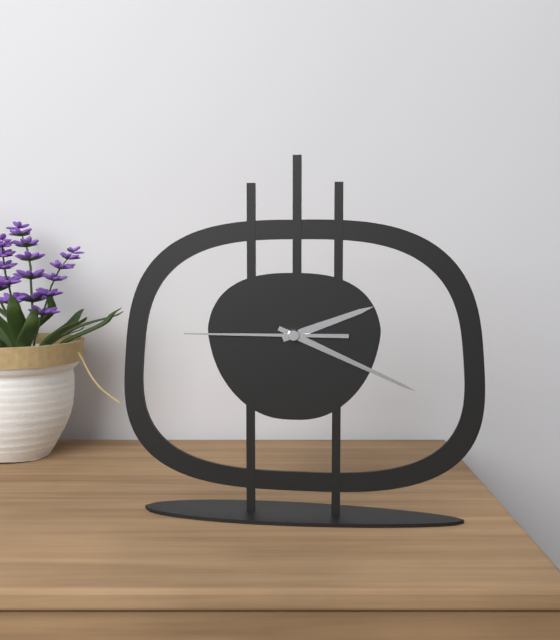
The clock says 2,19,45
